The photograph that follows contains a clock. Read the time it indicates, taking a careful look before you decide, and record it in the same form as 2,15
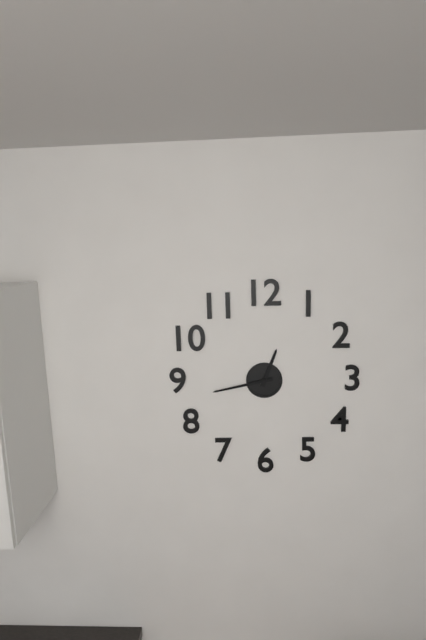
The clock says 12,43
